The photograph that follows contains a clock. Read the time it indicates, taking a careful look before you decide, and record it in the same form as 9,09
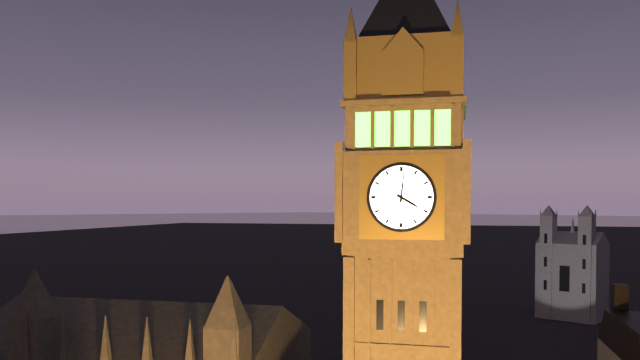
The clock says 4,01
